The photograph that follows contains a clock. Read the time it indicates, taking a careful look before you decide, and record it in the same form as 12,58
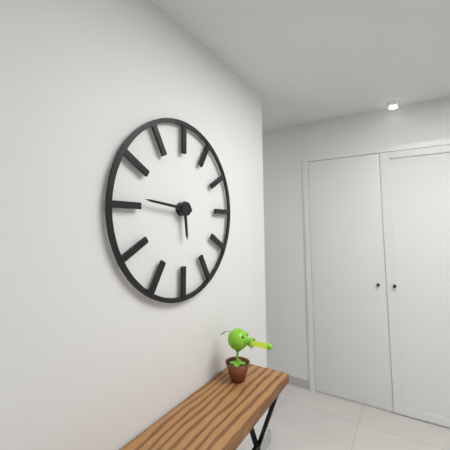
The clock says 5,46
